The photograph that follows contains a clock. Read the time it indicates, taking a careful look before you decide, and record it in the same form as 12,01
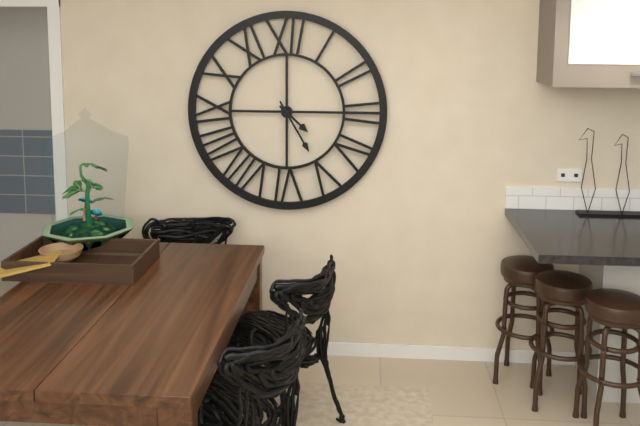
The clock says 4,25
